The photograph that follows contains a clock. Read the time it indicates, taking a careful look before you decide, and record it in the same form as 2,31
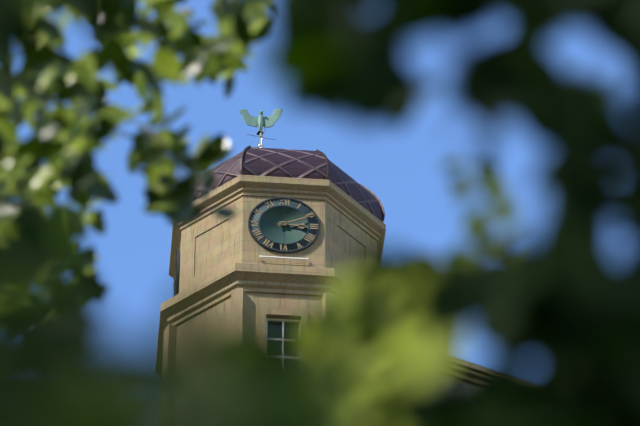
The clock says 3,11
